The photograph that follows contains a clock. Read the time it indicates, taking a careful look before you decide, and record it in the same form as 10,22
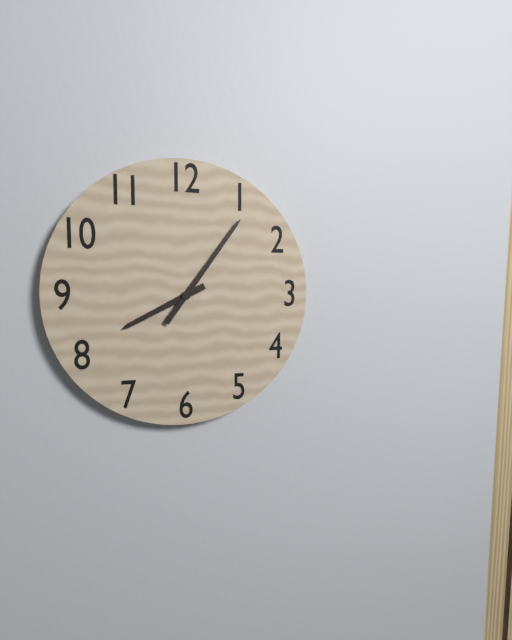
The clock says 8,06
